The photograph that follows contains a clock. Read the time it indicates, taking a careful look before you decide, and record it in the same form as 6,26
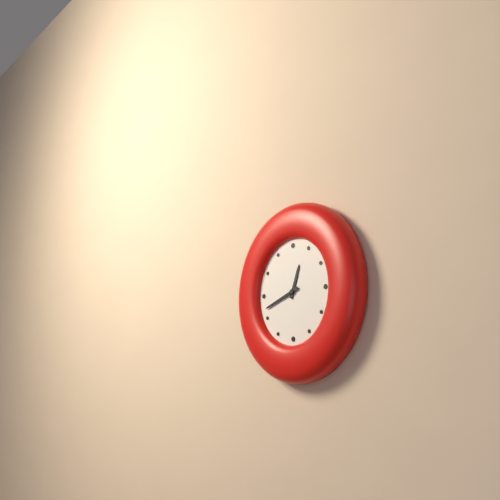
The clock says 12,42
